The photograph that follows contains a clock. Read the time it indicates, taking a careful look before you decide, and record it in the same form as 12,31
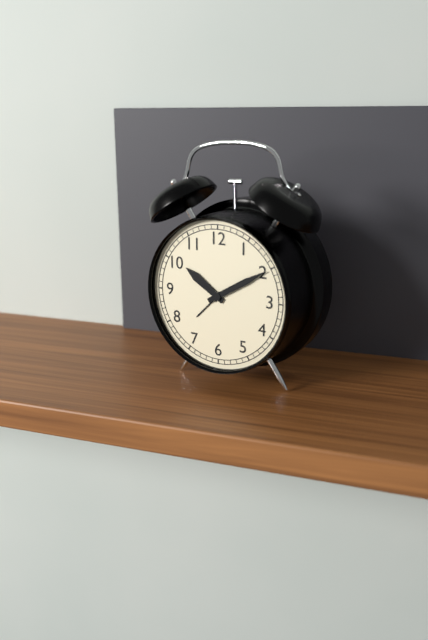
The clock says 10,10
